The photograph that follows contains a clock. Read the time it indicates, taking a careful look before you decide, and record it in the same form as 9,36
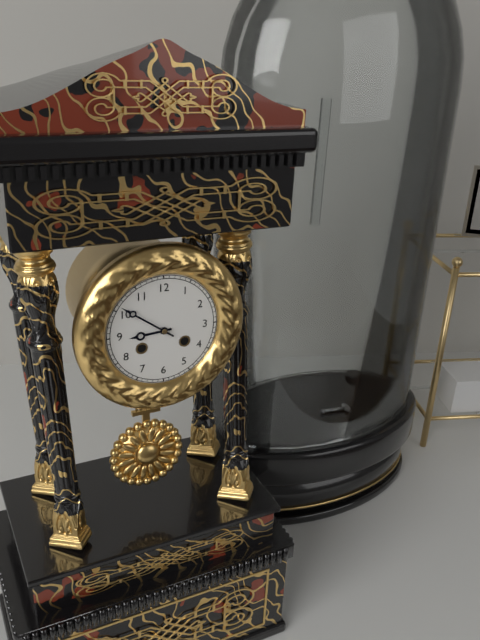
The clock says 8,51
